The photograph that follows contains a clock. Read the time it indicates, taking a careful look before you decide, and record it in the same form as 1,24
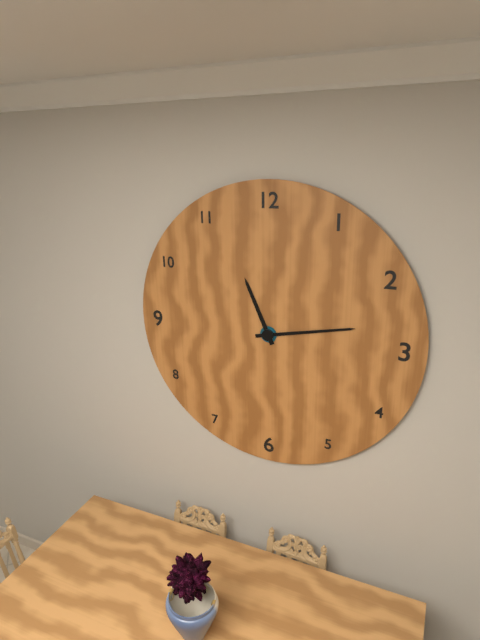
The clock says 11,13
